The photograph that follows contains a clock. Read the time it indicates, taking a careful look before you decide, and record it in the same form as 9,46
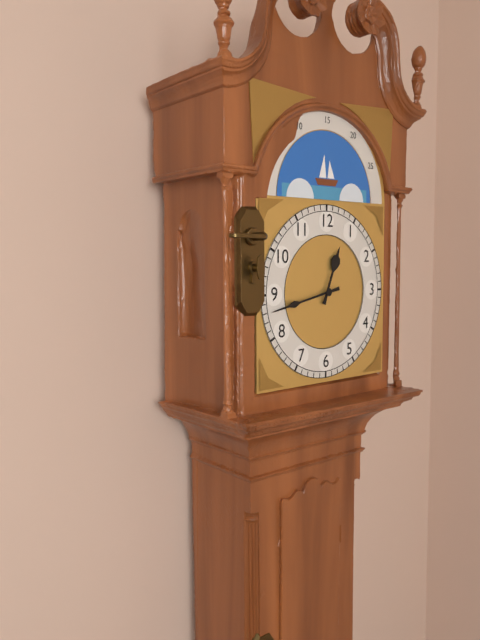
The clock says 12,43
